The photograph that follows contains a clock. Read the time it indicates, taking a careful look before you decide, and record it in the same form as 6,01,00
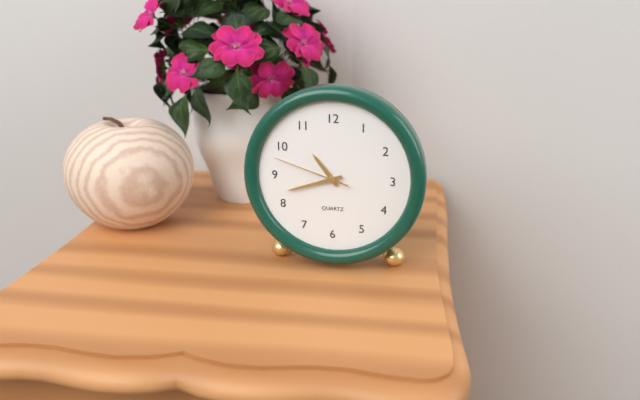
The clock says 10,42,48
